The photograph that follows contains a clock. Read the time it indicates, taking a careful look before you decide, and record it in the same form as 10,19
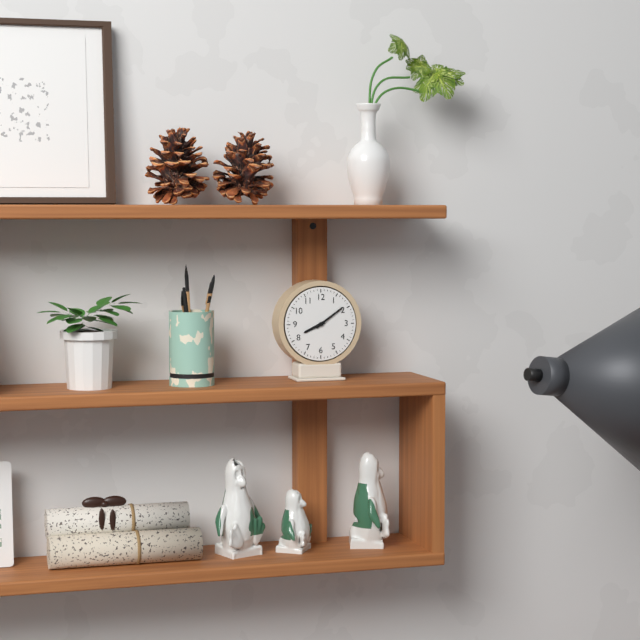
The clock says 8,09
